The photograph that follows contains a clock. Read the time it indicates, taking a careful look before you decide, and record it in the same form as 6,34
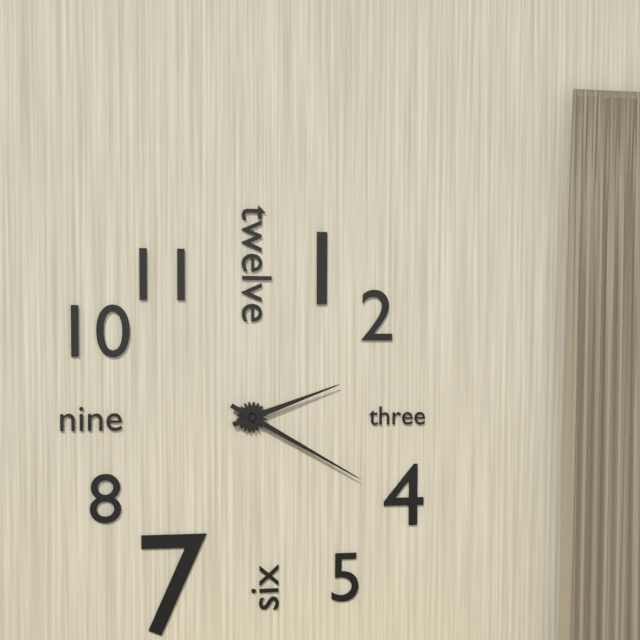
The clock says 2,20
